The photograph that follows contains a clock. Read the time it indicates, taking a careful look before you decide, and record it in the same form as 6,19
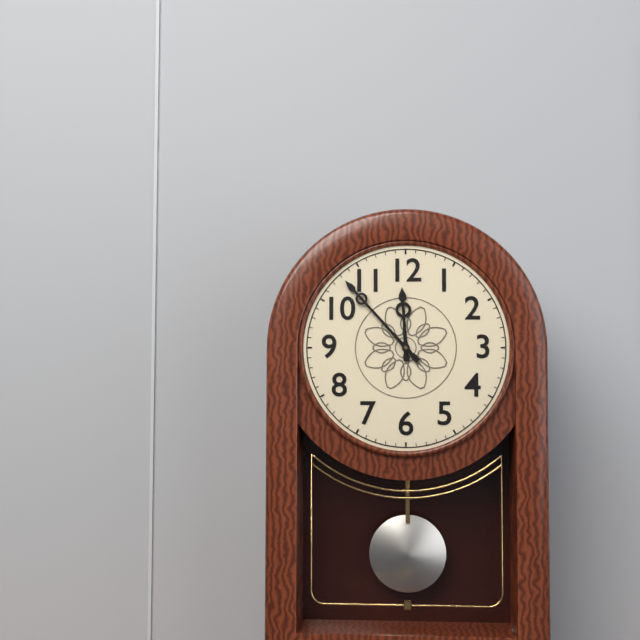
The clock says 11,53
